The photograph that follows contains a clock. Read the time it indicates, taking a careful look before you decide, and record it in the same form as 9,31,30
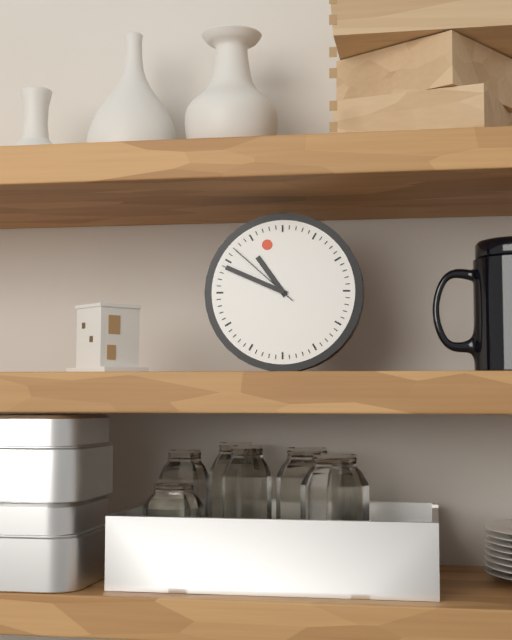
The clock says 10,49,52
